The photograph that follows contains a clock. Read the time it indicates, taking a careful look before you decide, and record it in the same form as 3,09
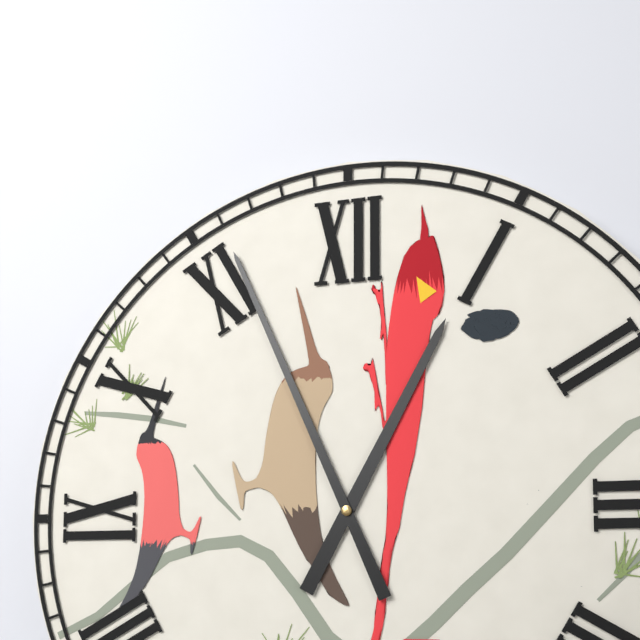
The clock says 12,56
